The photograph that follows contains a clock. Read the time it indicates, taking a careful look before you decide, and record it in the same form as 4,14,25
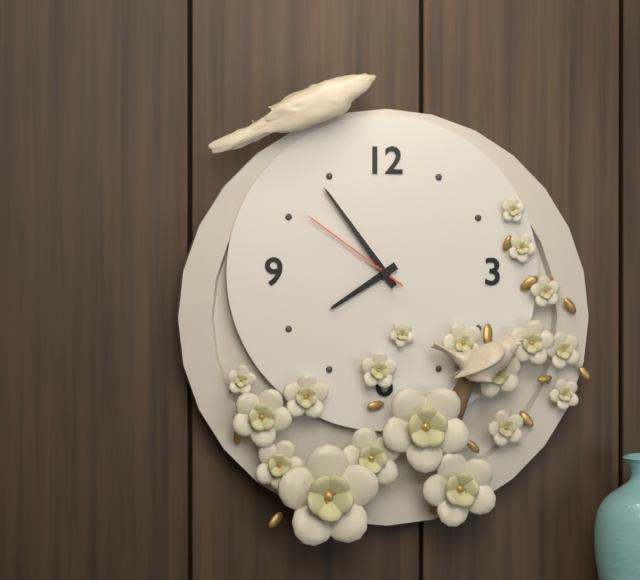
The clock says 7,54,51
